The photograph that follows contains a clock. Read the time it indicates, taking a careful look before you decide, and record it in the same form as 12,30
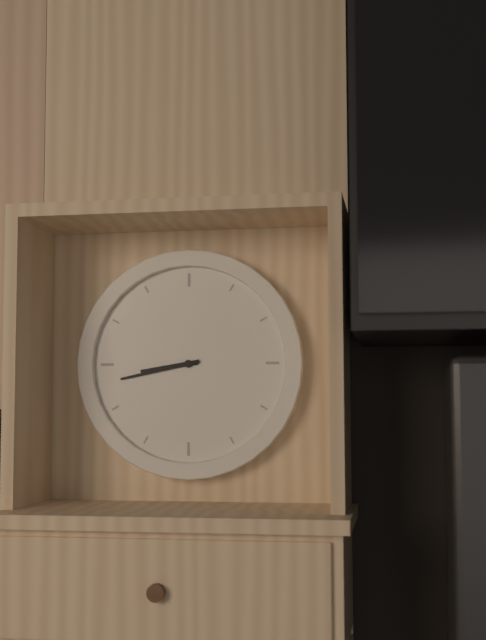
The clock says 8,43
